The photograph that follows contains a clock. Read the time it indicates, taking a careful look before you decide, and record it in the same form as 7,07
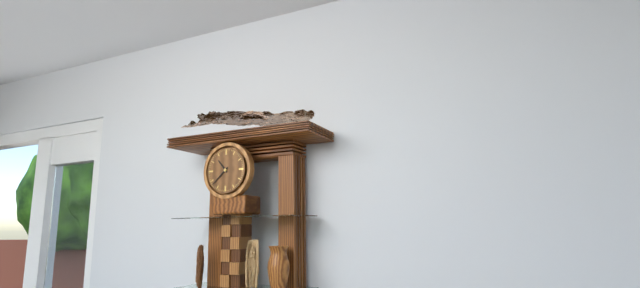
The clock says 10,38
